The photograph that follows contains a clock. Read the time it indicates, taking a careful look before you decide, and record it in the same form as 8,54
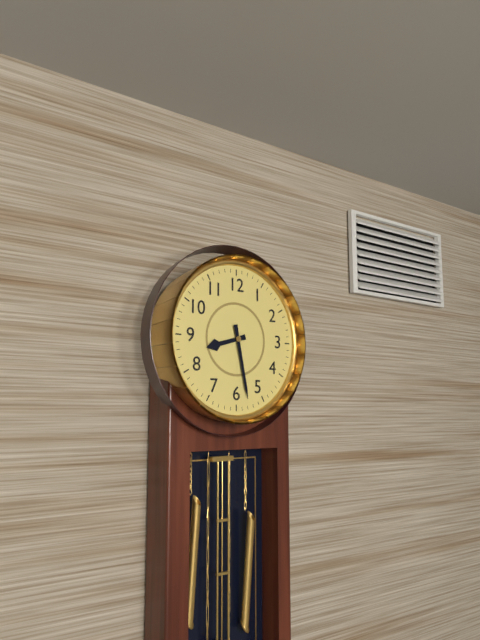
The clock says 8,28
